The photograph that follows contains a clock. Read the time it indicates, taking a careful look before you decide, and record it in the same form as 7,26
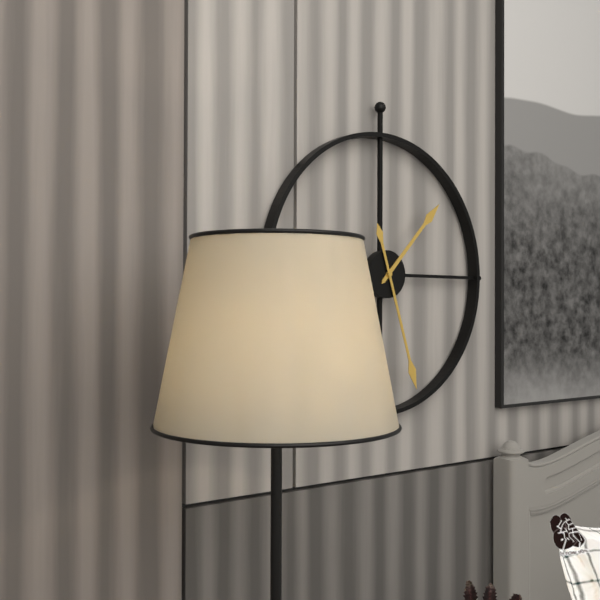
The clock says 1,27
